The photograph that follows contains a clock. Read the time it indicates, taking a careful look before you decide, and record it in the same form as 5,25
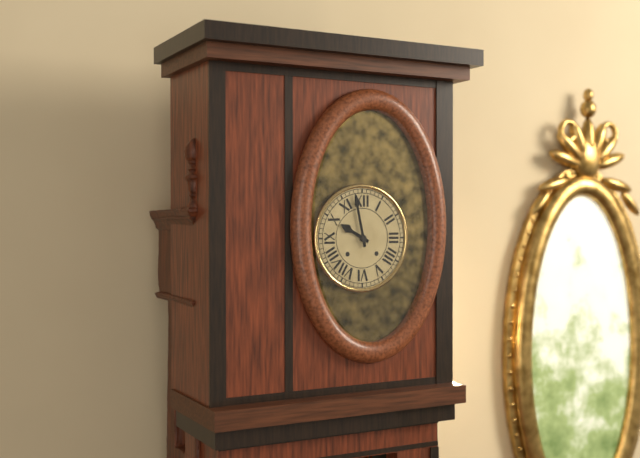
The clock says 9,58
